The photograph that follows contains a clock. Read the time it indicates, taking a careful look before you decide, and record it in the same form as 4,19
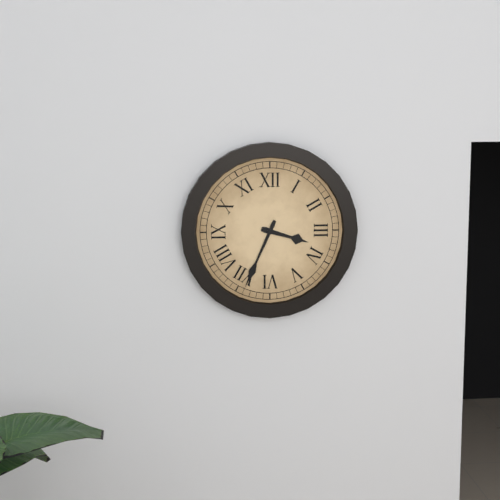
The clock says 3,34
